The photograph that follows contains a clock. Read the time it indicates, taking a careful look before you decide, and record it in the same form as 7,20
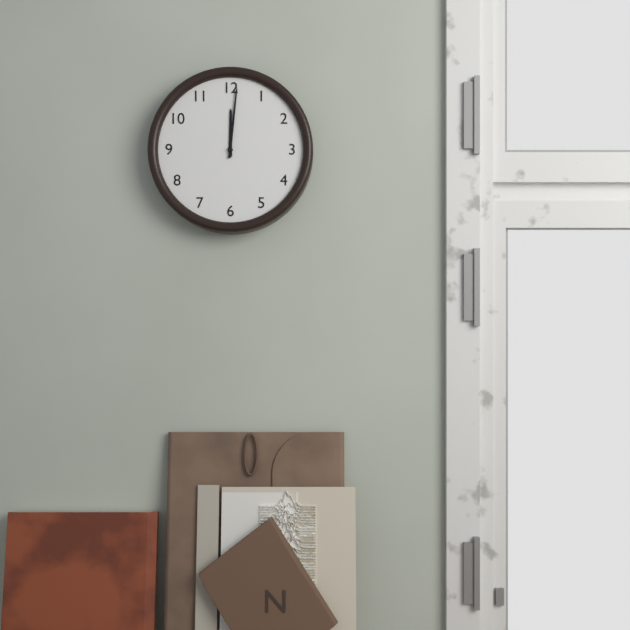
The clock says 12,01
